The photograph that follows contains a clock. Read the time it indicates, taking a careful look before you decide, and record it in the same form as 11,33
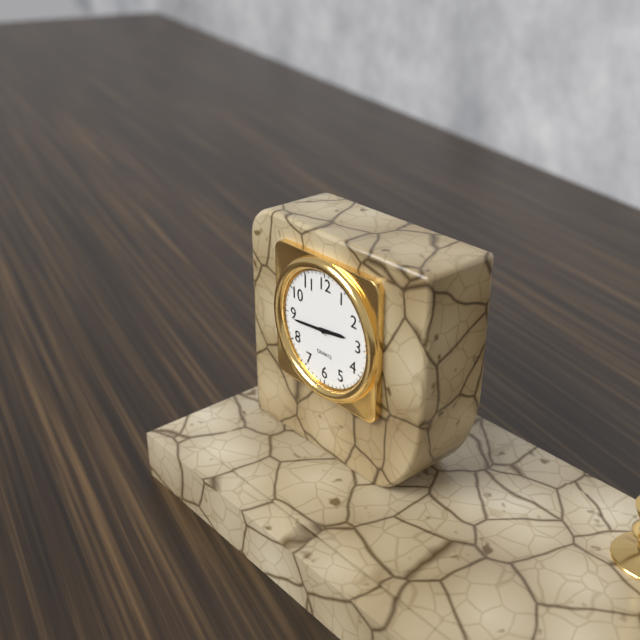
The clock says 2,44
